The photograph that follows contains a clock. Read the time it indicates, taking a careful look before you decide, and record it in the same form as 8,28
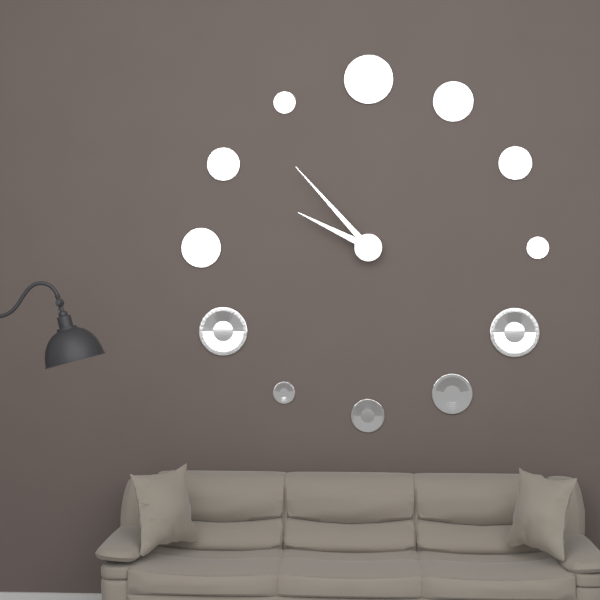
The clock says 9,53
